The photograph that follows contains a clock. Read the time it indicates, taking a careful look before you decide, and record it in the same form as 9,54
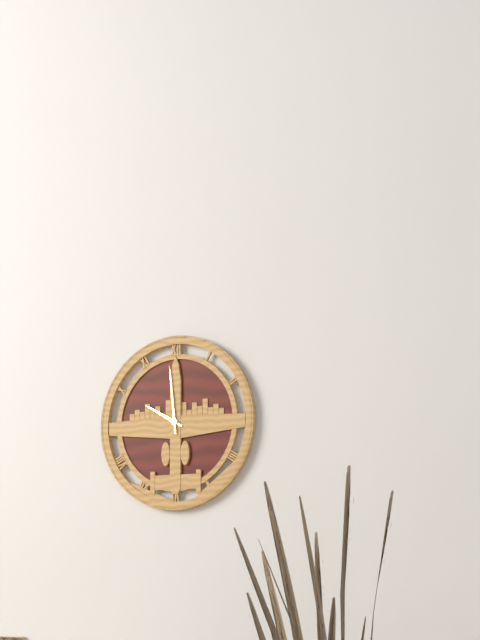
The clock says 9,59
